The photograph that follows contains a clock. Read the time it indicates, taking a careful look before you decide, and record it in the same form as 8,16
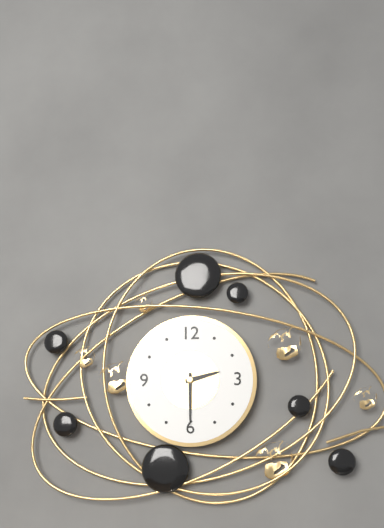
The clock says 2,30
